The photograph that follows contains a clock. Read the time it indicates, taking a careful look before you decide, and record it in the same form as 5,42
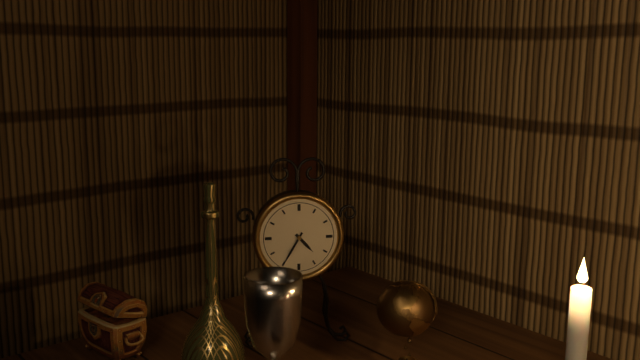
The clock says 4,35
